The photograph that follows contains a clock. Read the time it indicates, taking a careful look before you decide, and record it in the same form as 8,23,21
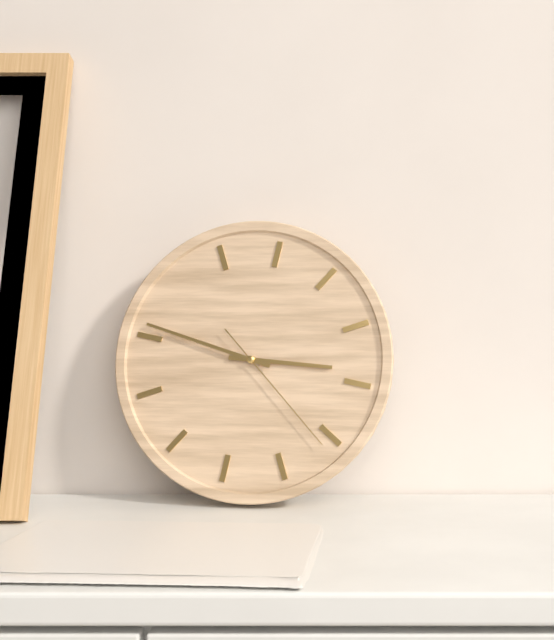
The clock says 2,46,21
